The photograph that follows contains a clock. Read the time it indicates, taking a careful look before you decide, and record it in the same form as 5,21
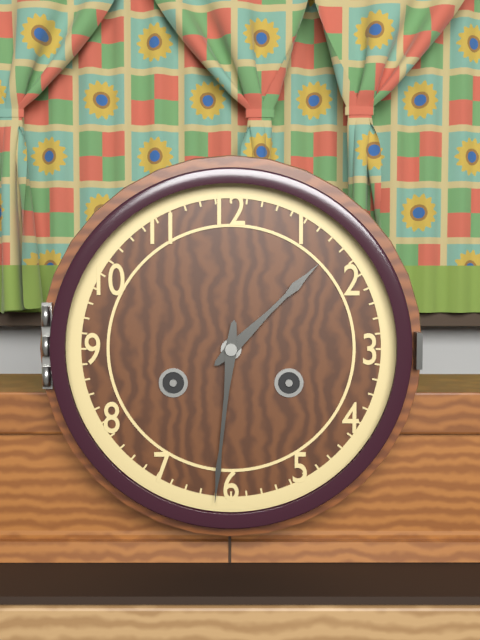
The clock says 1,31
